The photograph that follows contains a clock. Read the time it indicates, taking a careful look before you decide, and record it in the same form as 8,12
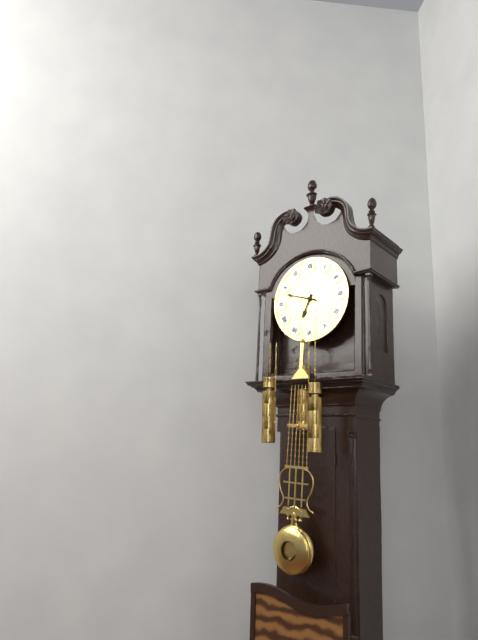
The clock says 6,48
